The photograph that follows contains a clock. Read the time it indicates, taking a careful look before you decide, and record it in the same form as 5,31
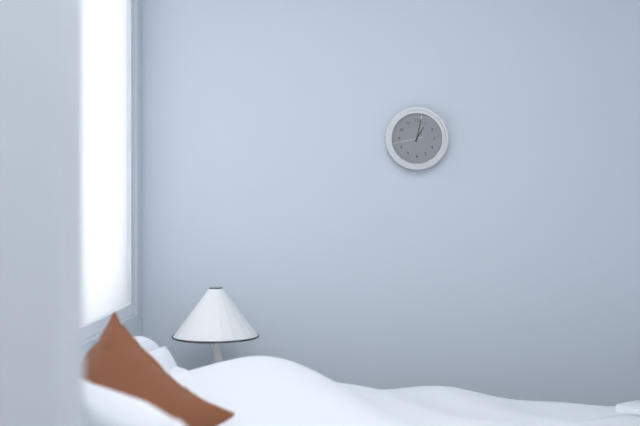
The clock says 1,02
